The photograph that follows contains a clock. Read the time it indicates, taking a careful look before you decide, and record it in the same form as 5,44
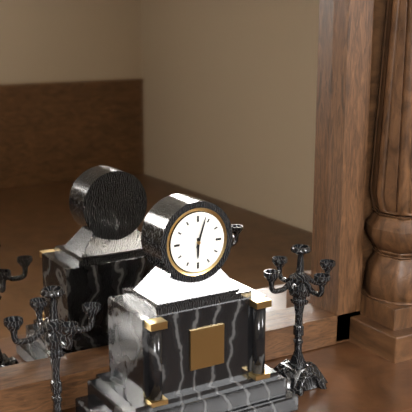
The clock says 6,03
